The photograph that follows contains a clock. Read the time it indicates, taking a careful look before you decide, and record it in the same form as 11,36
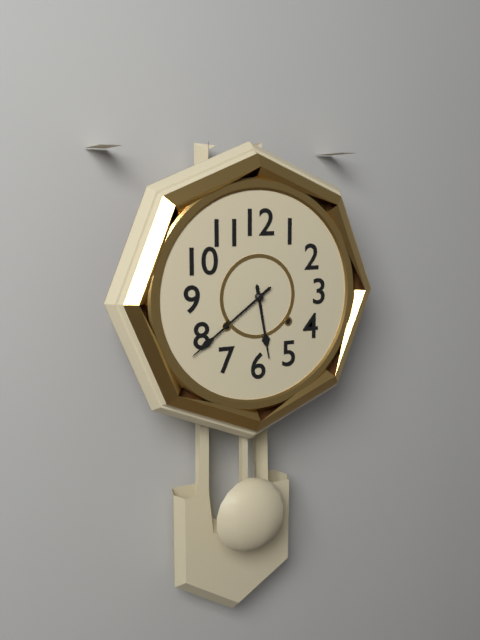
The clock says 5,39
